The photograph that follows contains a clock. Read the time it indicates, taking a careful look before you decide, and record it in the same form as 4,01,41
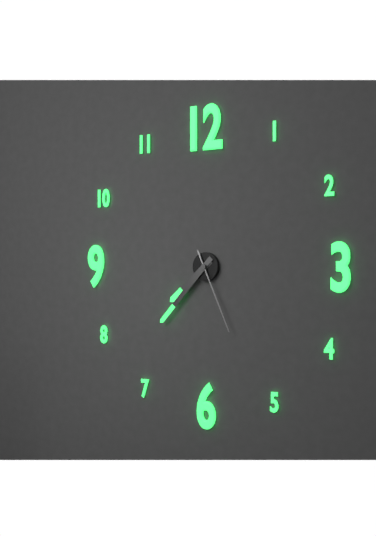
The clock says 7,37,26
